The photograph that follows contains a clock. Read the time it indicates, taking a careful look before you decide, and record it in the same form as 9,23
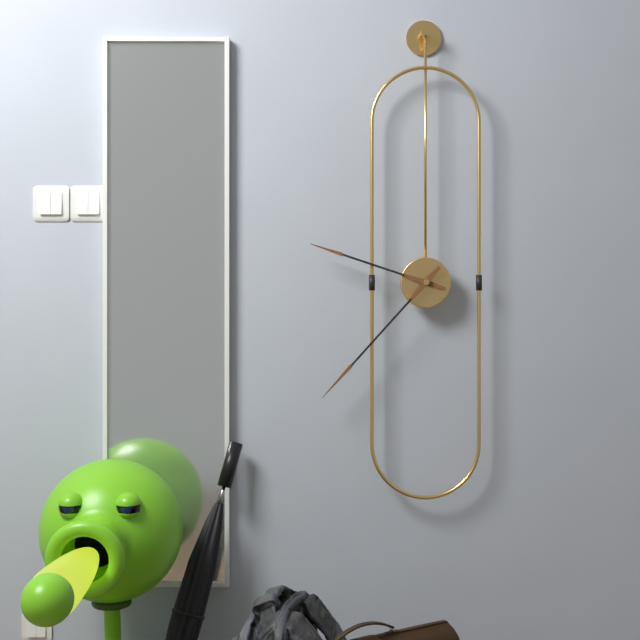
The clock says 9,37
